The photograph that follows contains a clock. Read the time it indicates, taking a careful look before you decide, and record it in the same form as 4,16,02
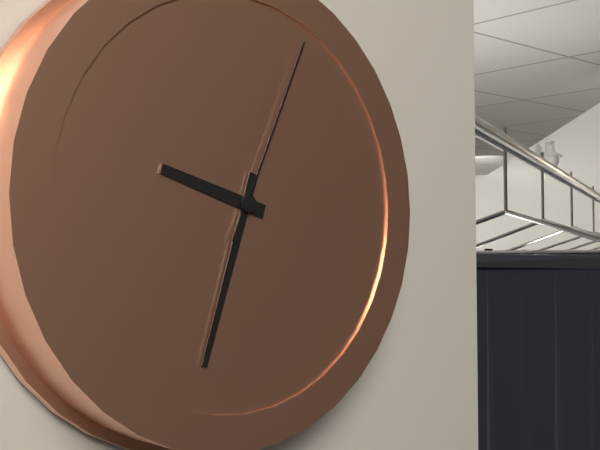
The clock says 9,33,04
